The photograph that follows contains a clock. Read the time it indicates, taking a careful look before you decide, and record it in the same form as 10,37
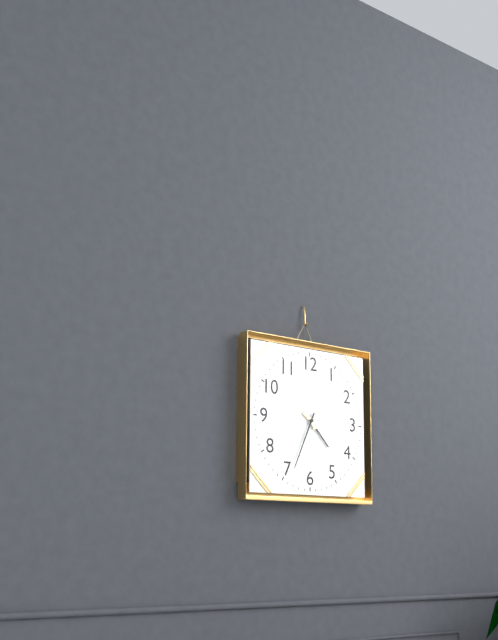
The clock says 4,34
